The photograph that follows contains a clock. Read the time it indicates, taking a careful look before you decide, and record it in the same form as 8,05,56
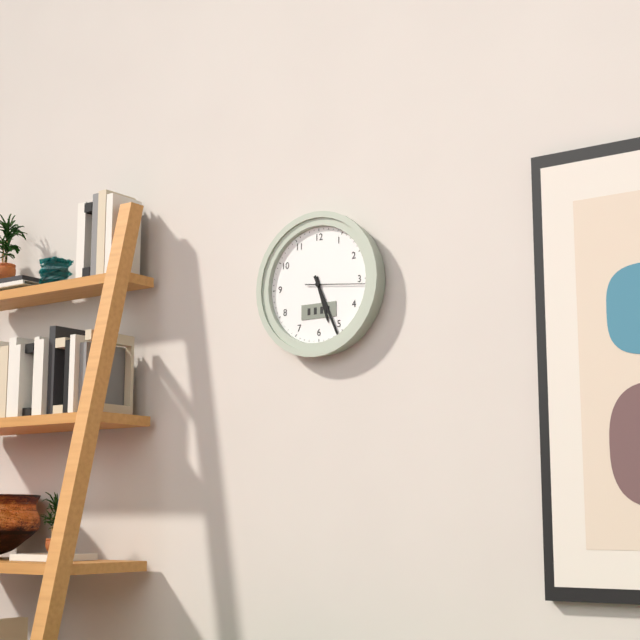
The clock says 5,26,16
